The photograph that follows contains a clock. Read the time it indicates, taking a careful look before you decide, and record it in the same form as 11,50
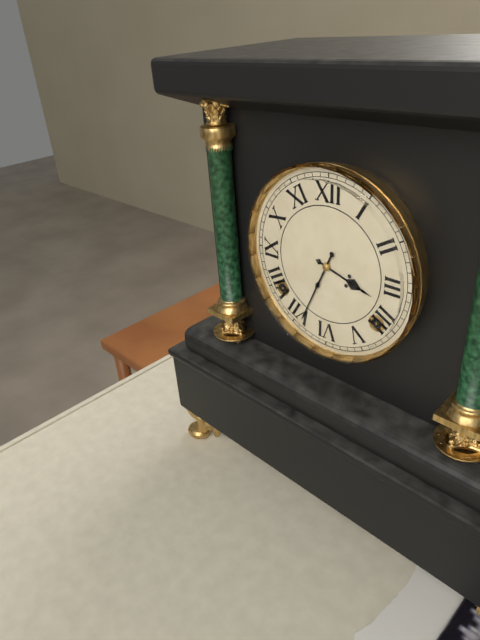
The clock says 3,34
